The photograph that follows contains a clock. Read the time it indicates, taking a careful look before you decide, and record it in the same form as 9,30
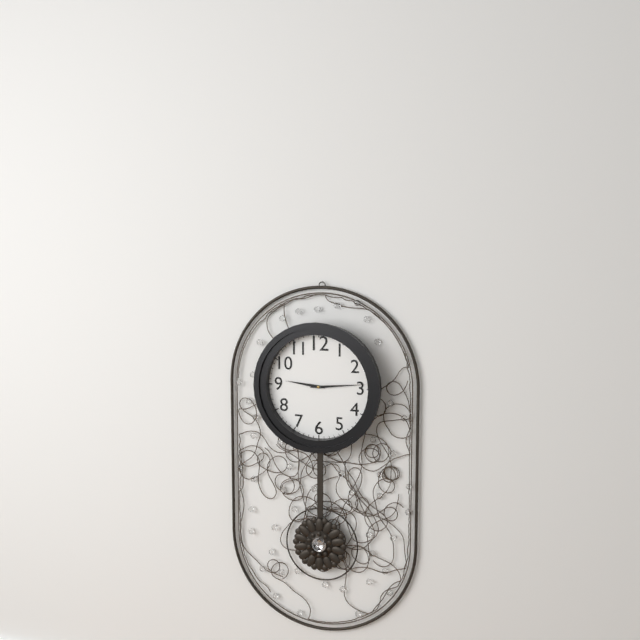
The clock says 9,14
